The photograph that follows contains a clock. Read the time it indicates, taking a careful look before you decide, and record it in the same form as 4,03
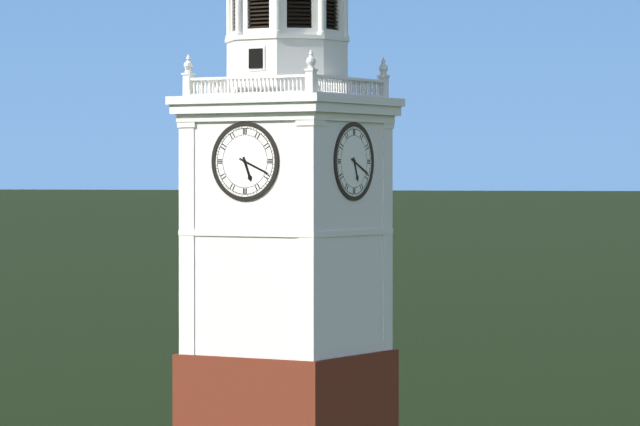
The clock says 5,19
